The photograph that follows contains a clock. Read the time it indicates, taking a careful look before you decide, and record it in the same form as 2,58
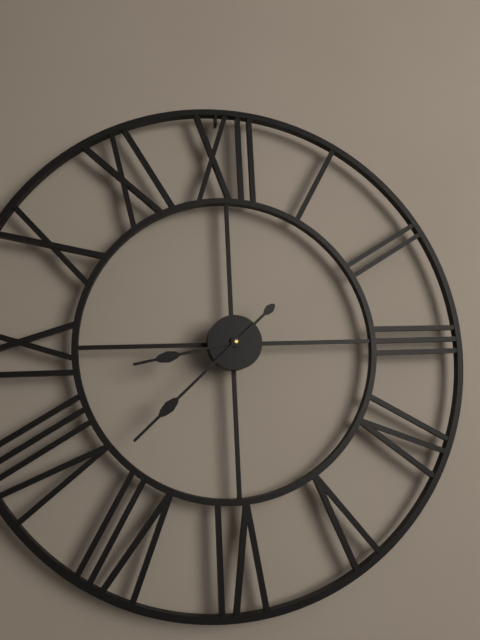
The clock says 8,38
